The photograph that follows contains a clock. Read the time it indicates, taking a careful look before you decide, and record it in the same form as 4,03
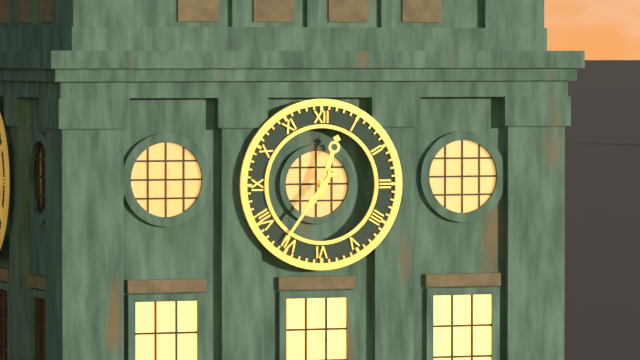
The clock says 12,36
